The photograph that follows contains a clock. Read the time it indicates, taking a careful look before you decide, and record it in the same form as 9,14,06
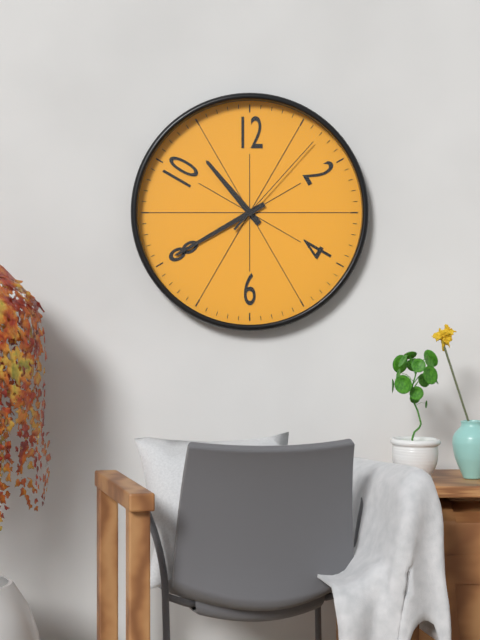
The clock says 10,40,07
